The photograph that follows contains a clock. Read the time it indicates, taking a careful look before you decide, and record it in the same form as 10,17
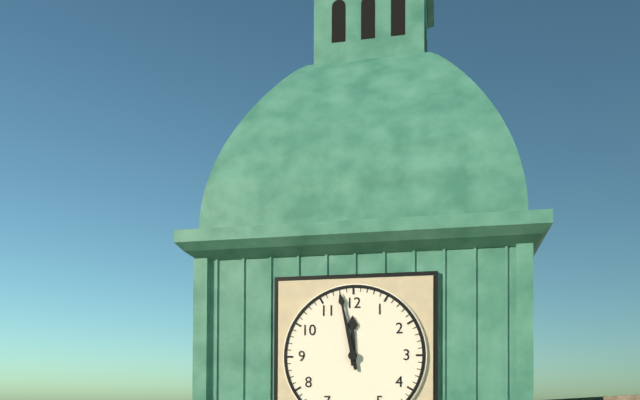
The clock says 11,58
